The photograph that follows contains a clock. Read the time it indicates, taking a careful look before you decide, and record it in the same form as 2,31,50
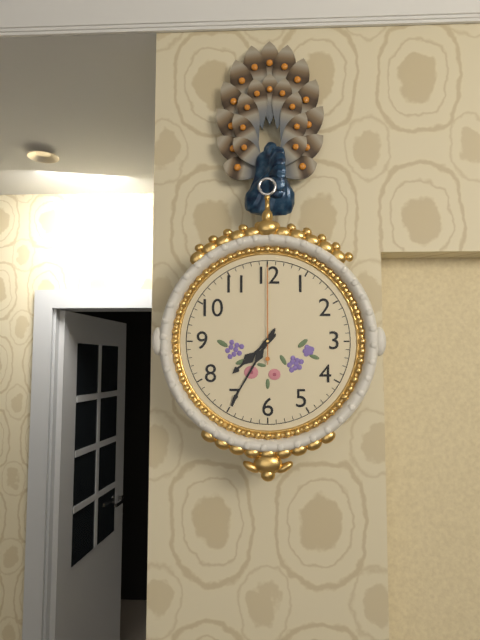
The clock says 7,35,00
